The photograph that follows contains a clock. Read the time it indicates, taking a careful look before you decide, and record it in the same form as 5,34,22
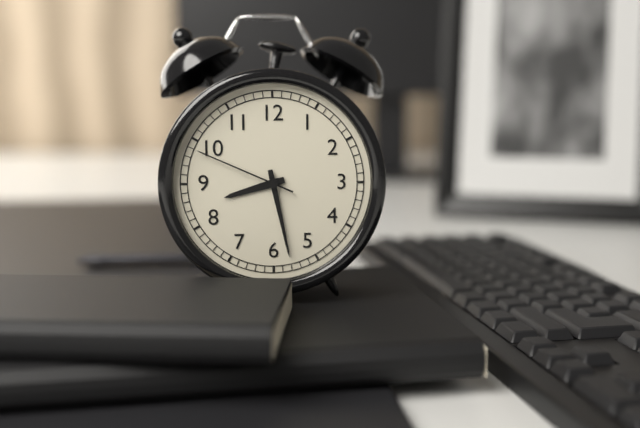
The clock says 8,28,49
